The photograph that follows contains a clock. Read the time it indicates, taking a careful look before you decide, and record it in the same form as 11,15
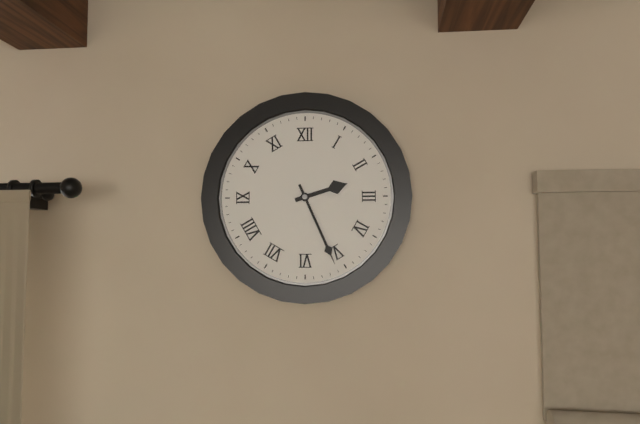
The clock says 2,26
